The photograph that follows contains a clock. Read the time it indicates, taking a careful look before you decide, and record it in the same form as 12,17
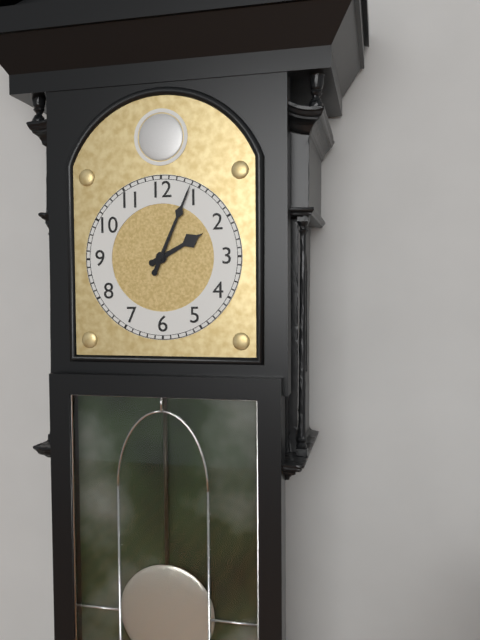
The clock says 2,04
